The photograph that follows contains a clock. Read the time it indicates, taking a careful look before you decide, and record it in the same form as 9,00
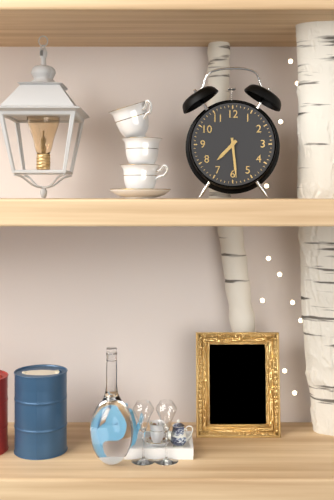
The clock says 7,29
